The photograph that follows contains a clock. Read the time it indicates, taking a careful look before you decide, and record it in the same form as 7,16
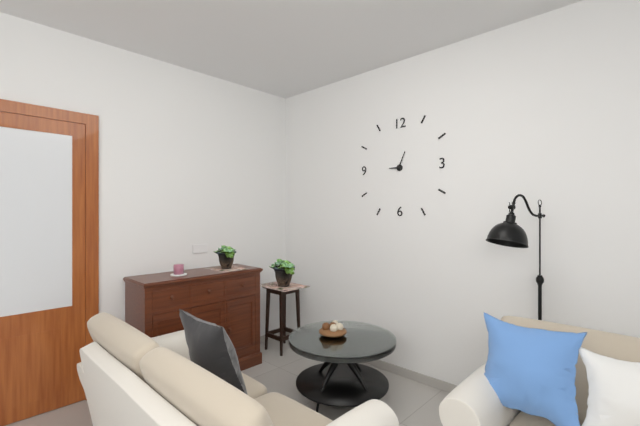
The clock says 9,04
